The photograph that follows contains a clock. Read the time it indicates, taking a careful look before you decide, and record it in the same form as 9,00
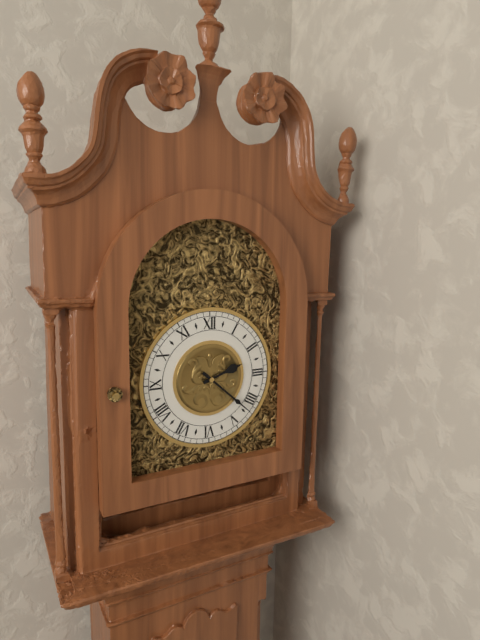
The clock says 2,22
